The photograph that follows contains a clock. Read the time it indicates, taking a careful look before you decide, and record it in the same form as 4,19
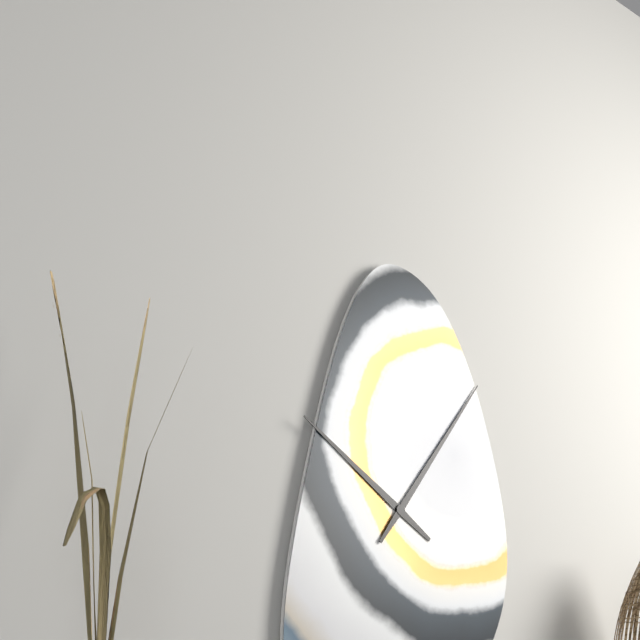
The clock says 10,06
